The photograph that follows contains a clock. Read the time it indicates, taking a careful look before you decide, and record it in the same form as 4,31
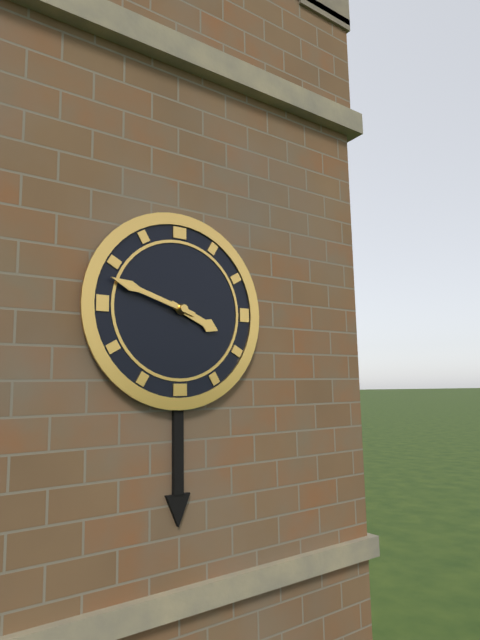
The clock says 3,48
